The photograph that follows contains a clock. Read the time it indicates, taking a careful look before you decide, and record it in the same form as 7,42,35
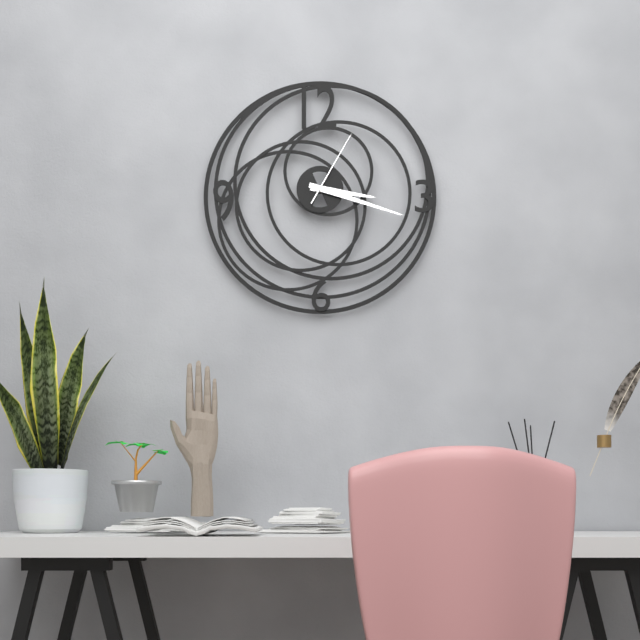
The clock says 3,18,05
